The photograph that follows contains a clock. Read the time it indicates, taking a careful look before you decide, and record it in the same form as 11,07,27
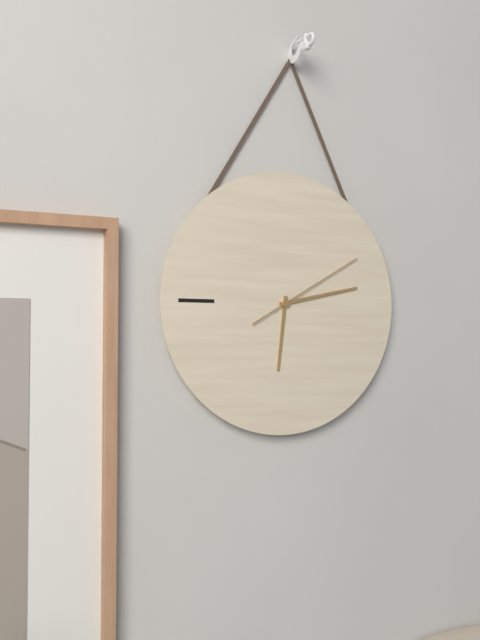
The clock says 6,13,10
